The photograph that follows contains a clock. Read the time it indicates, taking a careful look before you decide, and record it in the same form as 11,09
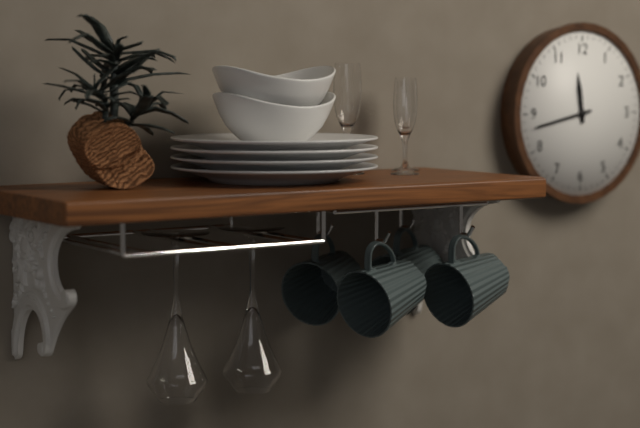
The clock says 11,43
